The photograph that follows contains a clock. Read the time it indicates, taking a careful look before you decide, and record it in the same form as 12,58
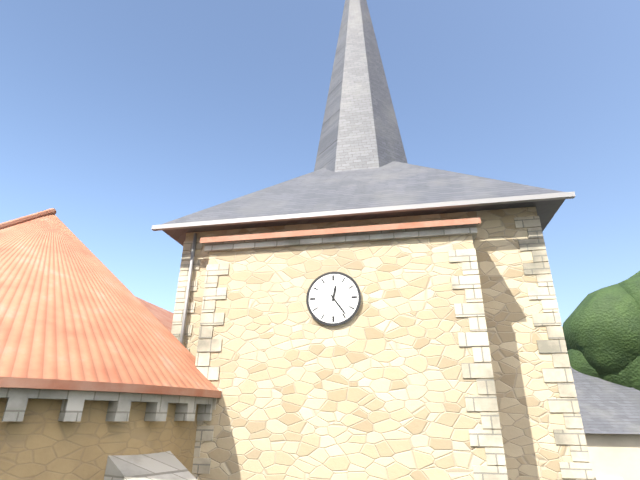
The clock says 12,24
